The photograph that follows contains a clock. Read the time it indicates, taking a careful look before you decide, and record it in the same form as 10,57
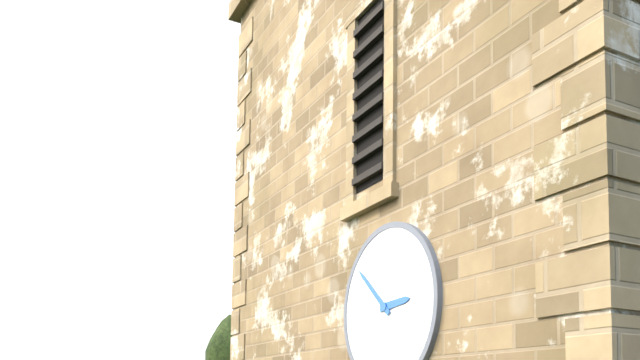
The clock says 2,52
